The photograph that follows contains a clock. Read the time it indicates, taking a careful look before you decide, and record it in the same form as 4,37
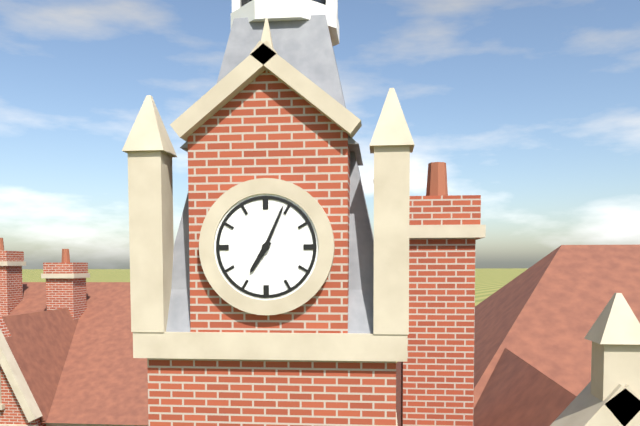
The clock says 7,04
